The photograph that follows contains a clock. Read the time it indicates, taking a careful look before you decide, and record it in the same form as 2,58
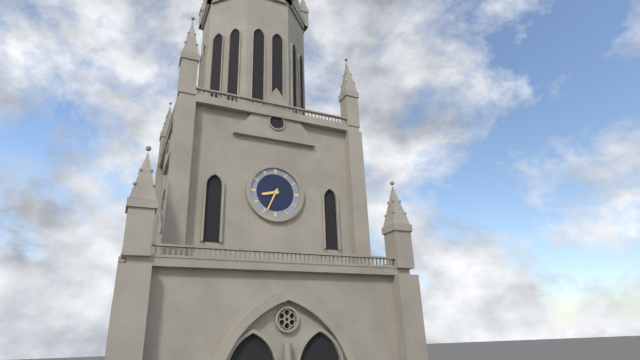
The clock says 8,34
